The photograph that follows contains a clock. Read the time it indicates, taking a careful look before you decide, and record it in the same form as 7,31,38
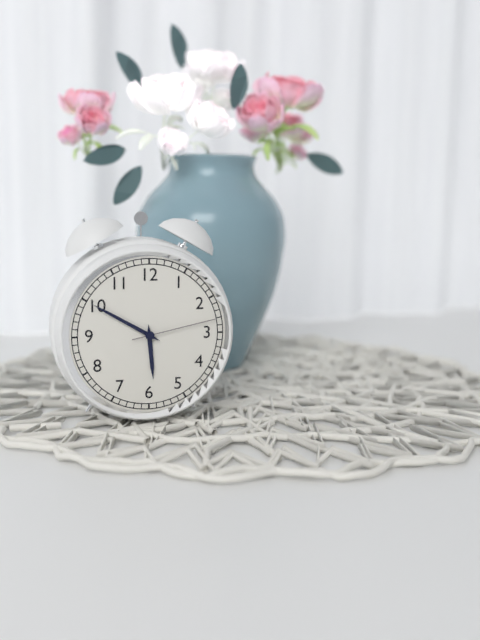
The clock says 5,50,13
